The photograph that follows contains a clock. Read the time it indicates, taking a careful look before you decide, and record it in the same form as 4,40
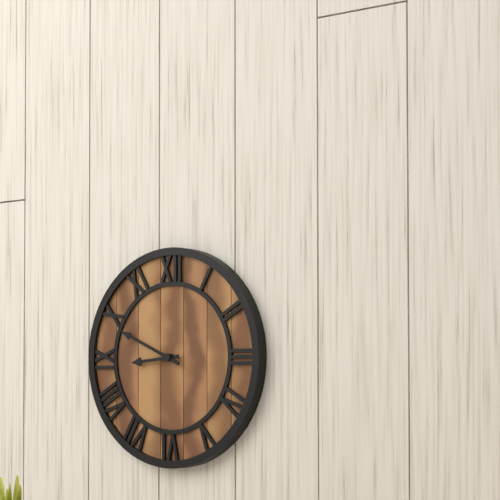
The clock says 8,49
